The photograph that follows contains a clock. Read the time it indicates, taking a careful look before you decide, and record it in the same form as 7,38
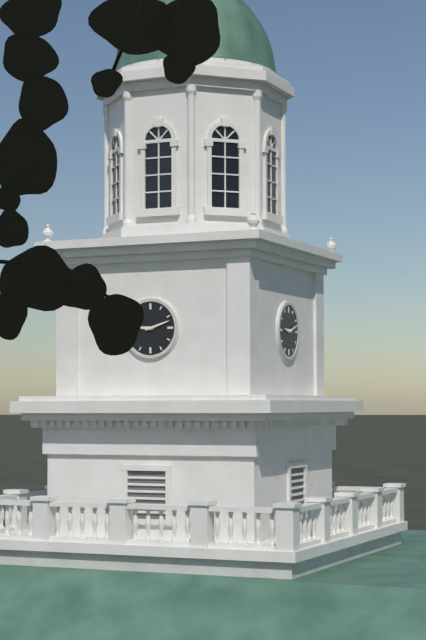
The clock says 9,12
